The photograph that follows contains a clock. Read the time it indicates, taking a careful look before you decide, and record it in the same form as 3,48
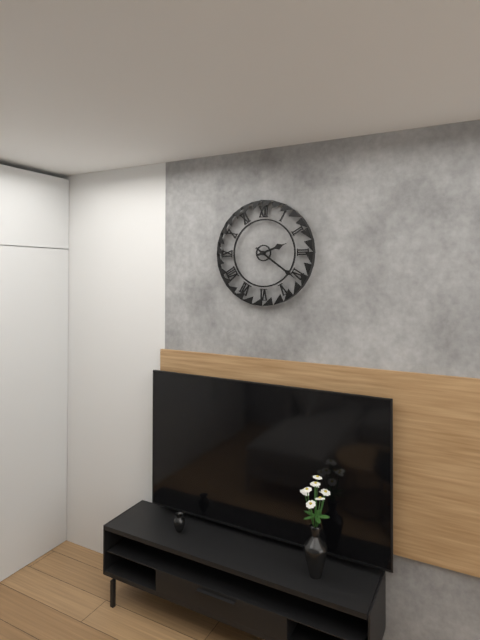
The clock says 2,21
